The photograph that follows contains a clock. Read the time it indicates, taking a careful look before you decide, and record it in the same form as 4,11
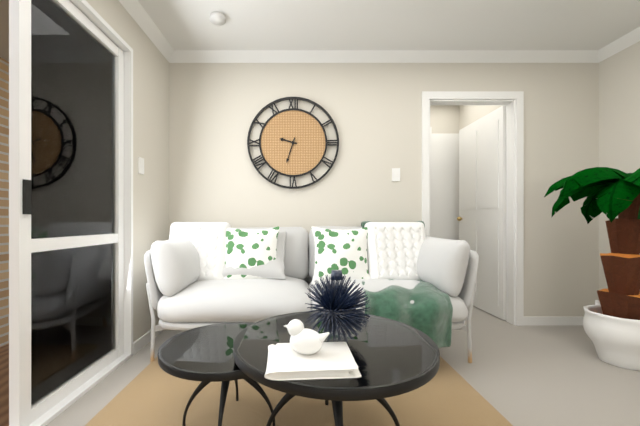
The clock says 9,33
